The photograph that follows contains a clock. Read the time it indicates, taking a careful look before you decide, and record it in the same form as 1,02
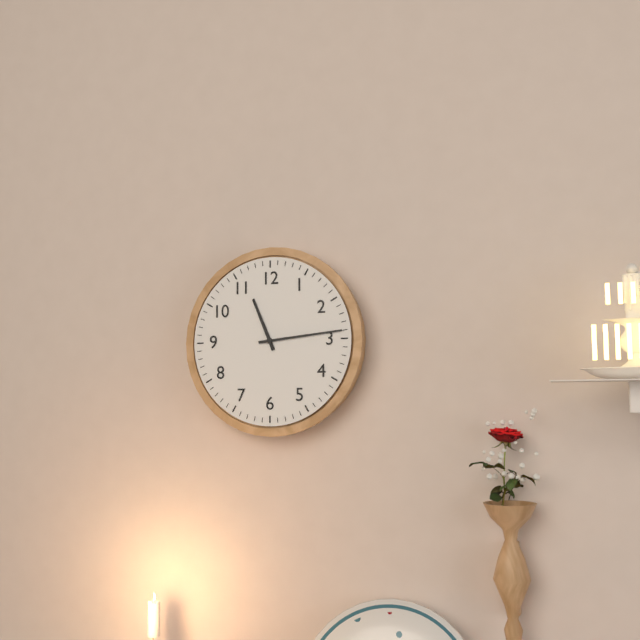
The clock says 11,14
